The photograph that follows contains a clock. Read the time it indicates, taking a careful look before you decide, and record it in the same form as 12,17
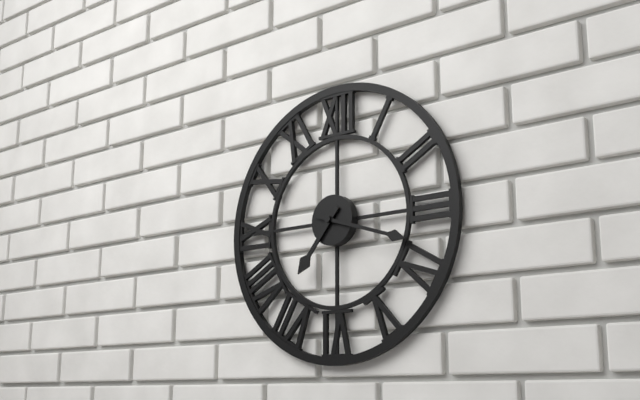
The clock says 7,18
